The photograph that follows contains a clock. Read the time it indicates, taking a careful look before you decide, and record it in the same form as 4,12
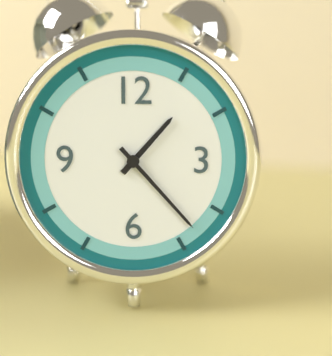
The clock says 1,23
